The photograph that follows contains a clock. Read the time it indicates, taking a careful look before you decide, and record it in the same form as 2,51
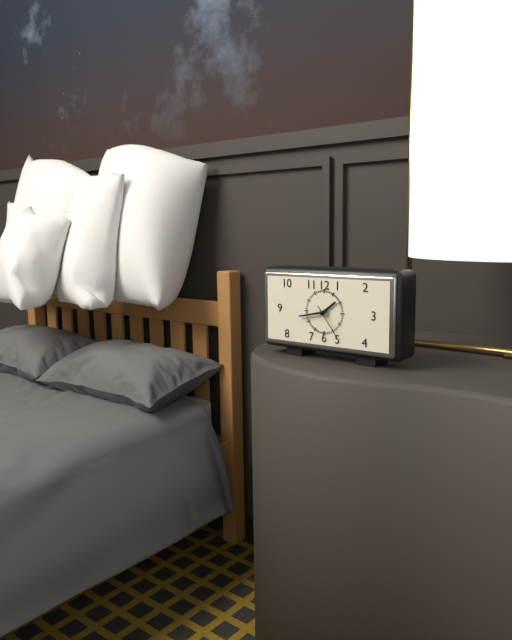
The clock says 1,43
